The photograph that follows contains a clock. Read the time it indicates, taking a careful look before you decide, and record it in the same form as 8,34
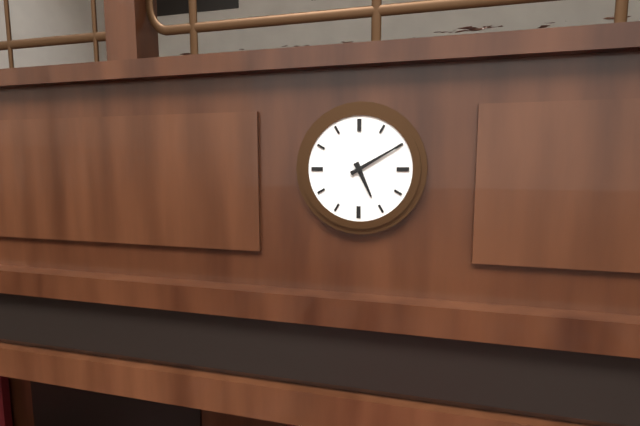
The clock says 5,10
